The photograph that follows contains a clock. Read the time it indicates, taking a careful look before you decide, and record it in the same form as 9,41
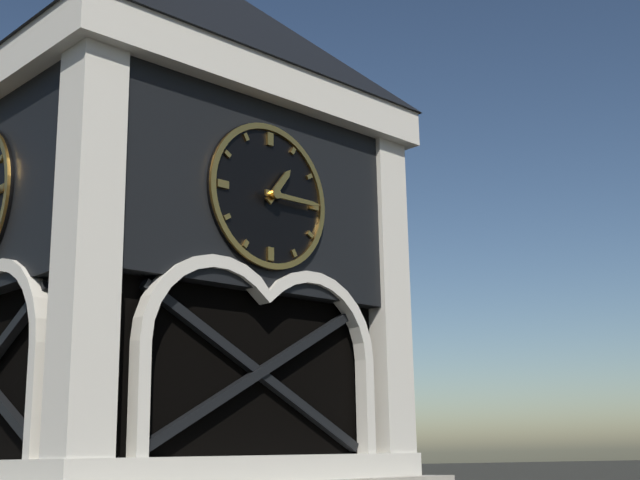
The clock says 1,15
